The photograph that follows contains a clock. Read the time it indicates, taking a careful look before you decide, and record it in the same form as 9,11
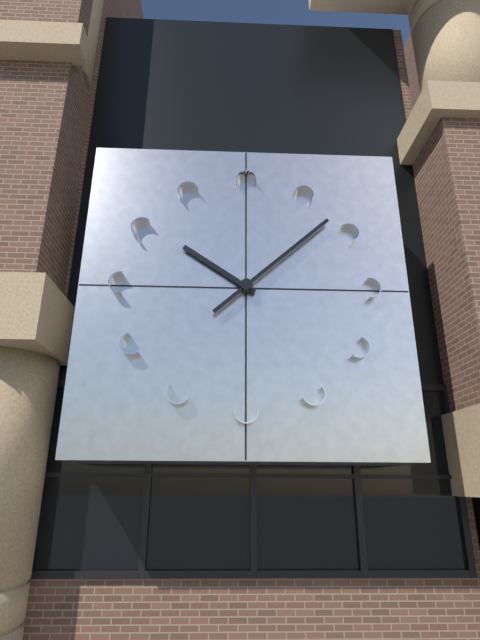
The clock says 10,08
